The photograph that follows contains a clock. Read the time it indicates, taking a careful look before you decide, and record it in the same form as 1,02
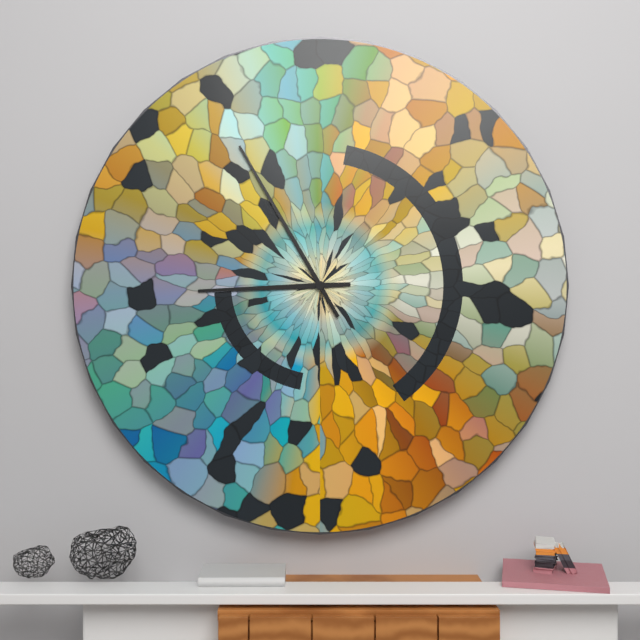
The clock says 8,55
